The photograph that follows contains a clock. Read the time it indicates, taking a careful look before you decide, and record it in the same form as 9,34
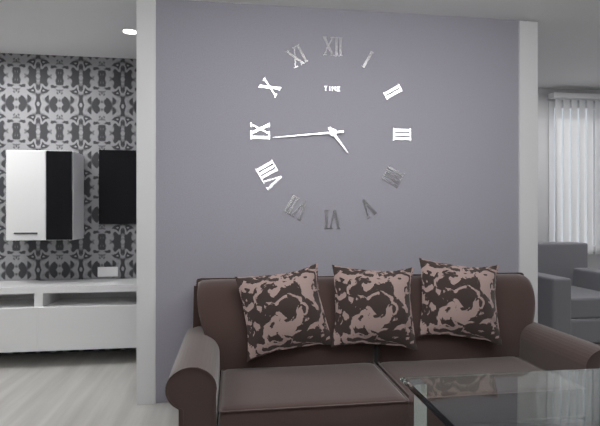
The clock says 4,44
